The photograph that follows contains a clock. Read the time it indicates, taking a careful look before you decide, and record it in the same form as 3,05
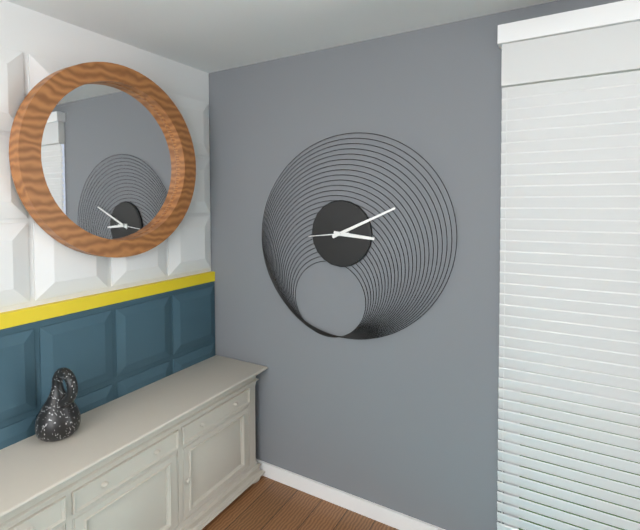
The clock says 3,11
